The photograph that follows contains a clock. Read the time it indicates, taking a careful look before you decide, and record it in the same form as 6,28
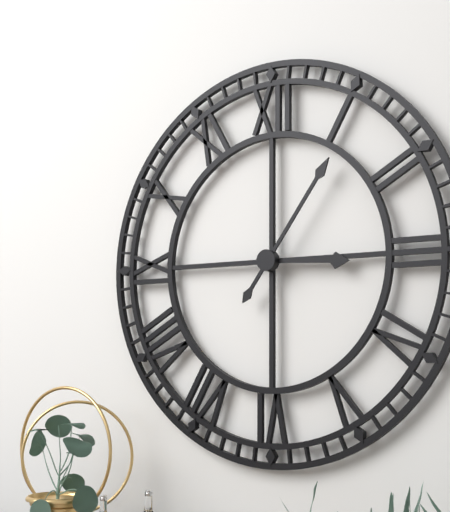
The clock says 3,06
